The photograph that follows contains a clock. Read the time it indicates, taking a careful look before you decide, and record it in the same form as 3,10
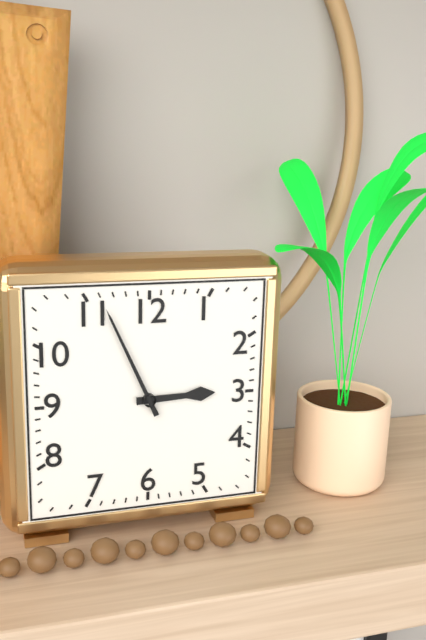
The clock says 2,56
